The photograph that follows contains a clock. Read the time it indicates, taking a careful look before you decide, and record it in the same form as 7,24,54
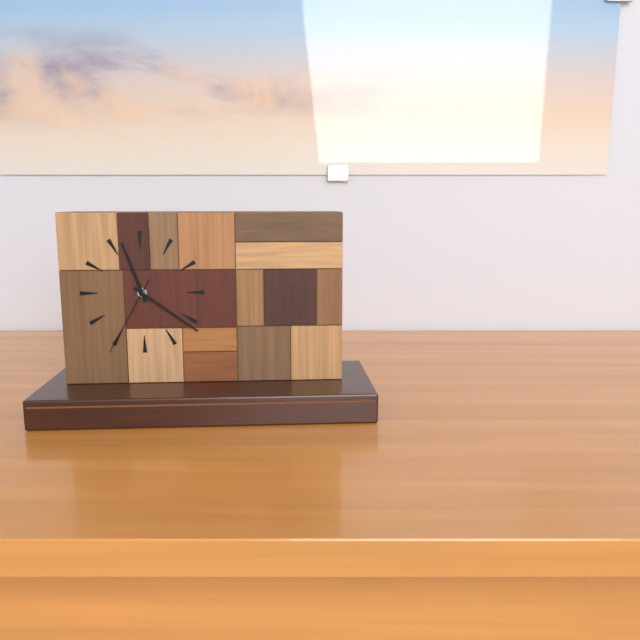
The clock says 11,21,35
